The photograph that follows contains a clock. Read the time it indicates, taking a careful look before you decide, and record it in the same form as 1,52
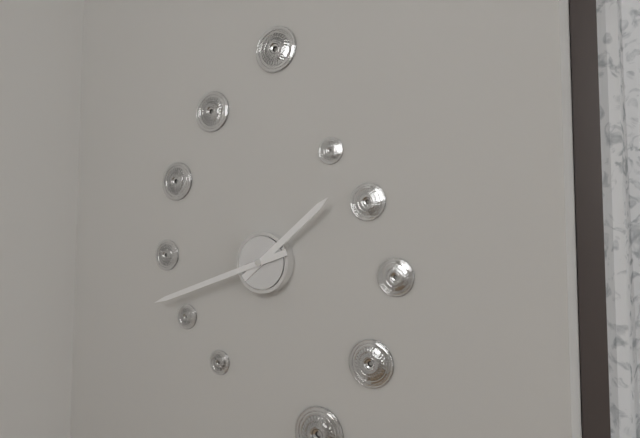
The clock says 1,42
